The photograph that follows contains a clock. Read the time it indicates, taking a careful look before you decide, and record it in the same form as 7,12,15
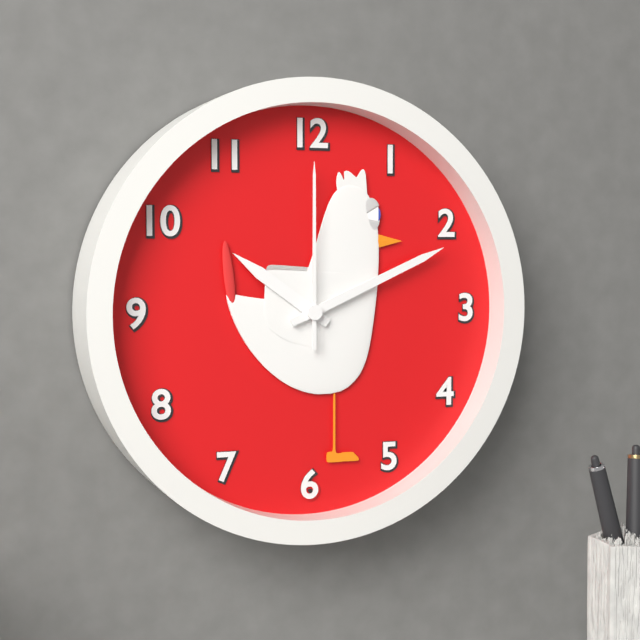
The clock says 10,11,00
